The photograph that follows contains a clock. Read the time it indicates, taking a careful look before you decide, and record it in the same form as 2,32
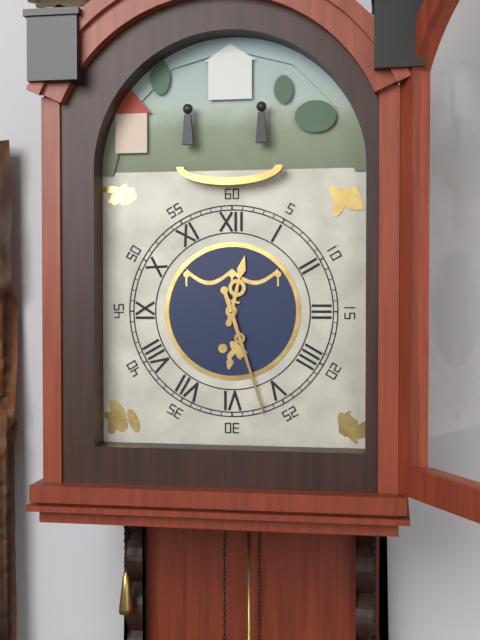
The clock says 12,27
